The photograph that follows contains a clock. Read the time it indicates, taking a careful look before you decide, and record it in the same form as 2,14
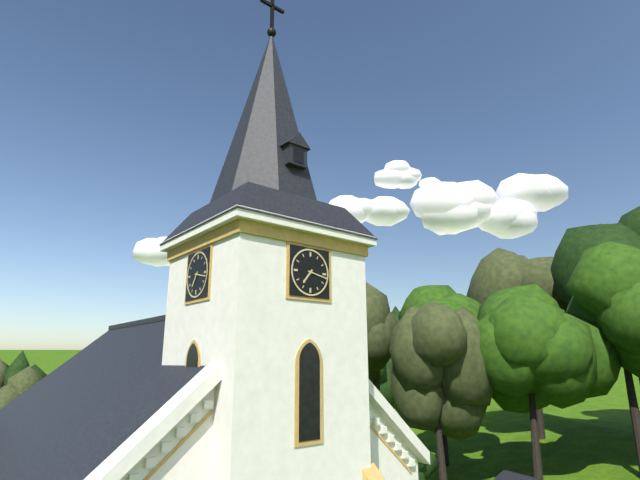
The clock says 7,17
